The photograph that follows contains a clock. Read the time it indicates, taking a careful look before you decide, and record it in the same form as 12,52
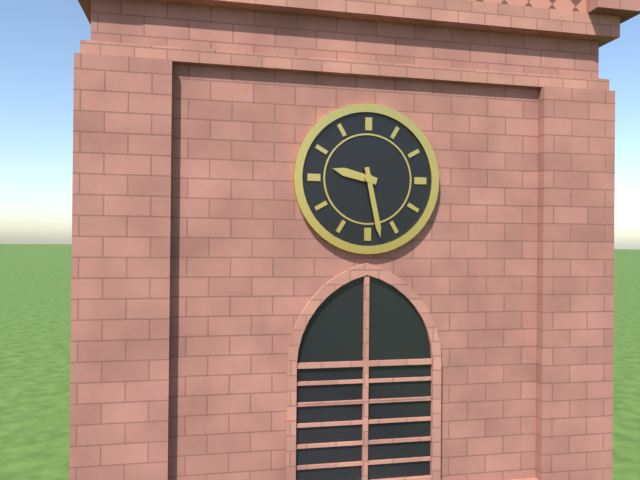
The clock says 9,28
